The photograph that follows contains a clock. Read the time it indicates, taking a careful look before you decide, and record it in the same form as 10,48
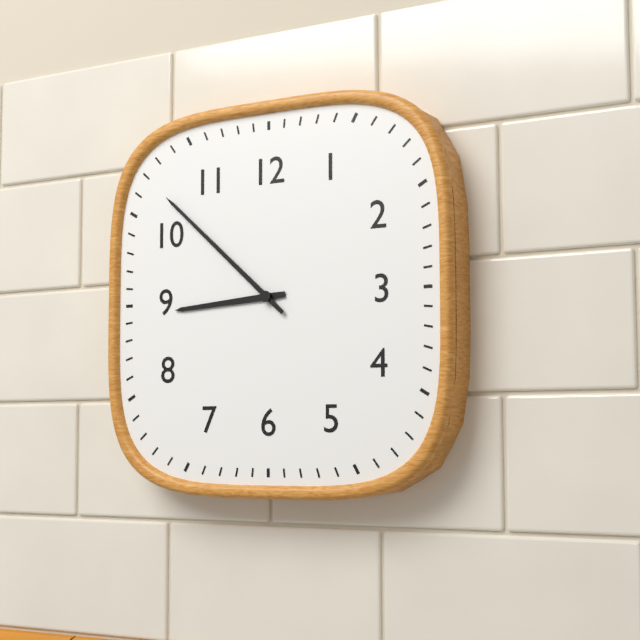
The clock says 8,52
